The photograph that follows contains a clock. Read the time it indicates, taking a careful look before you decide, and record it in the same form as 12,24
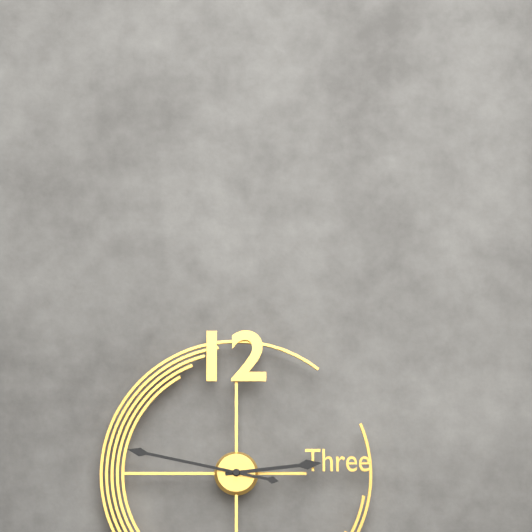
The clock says 2,47
